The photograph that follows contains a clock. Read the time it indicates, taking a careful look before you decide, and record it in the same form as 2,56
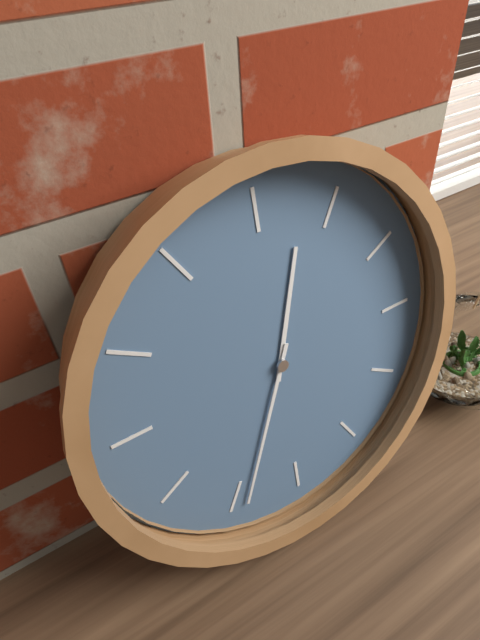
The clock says 12,34
